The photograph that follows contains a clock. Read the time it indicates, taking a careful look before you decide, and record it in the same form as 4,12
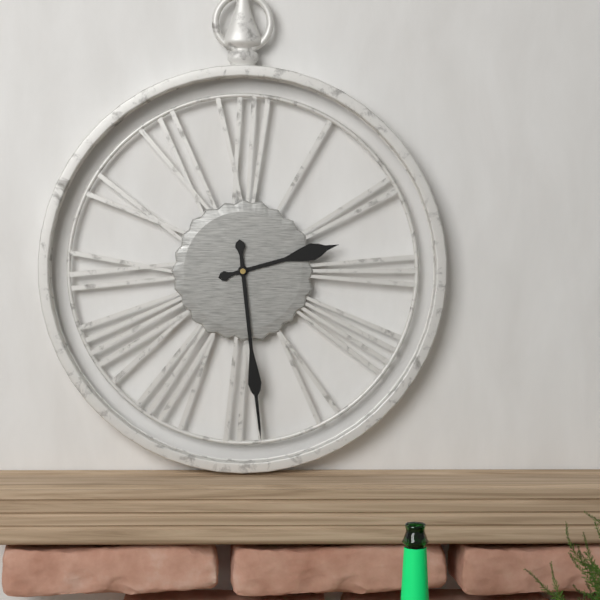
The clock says 2,29
